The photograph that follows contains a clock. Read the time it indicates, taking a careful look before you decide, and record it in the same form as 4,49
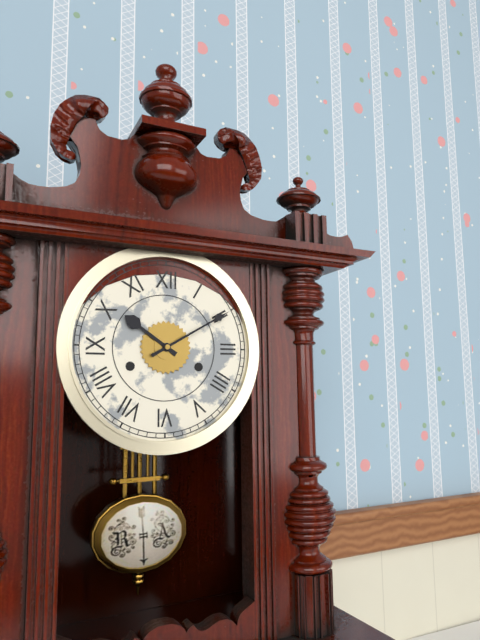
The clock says 10,10
